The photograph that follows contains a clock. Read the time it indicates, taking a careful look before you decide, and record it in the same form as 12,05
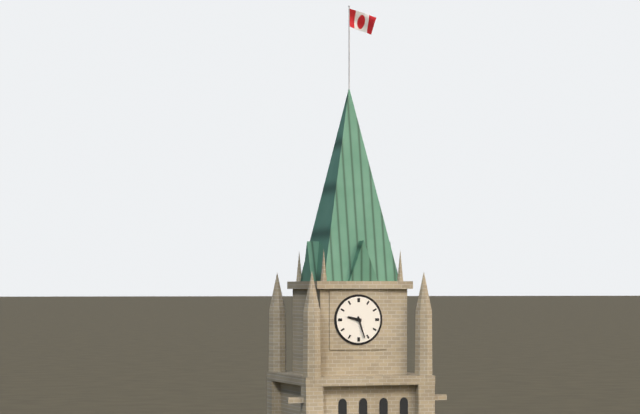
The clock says 9,27
